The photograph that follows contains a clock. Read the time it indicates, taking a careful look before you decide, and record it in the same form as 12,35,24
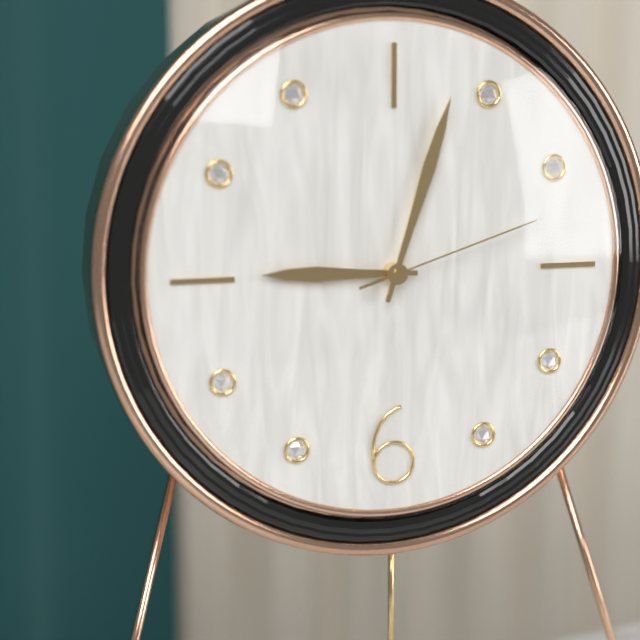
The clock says 9,03,12
